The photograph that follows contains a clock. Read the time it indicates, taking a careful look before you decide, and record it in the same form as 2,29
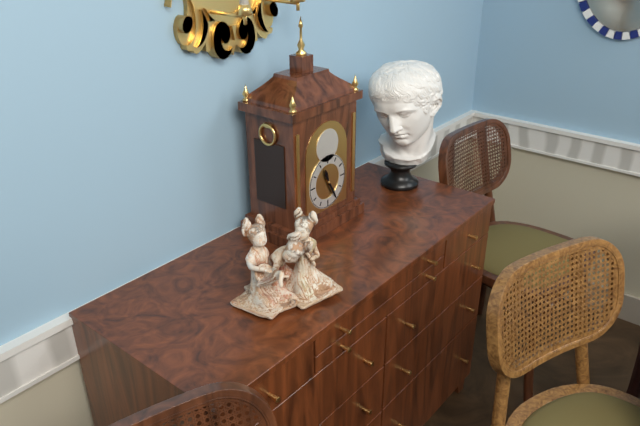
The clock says 11,25
